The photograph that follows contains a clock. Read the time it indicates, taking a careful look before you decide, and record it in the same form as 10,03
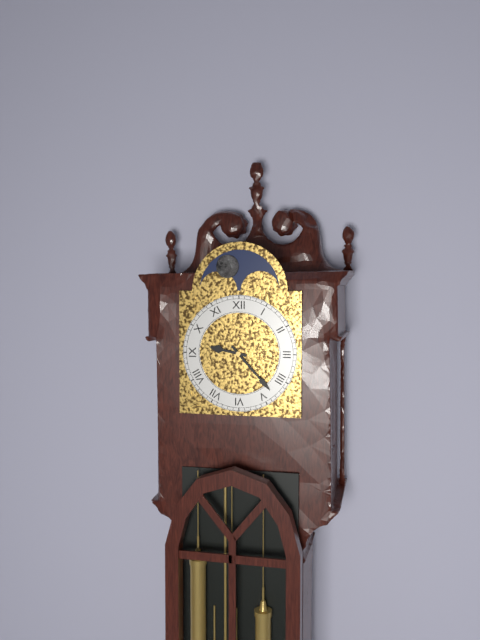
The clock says 9,23
